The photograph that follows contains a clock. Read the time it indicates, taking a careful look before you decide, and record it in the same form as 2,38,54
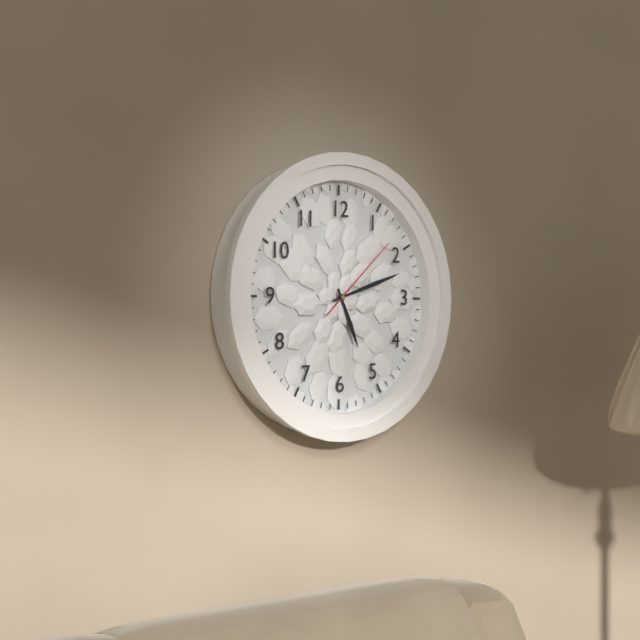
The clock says 5,12,08
